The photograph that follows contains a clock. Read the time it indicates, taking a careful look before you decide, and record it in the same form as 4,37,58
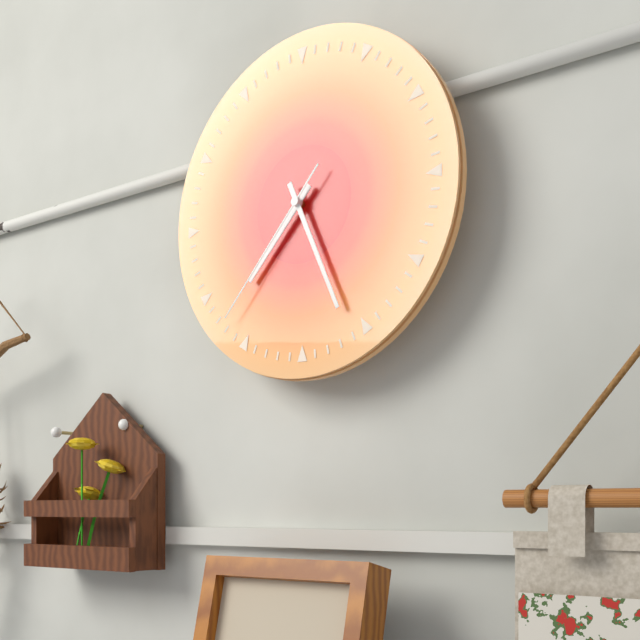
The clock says 7,26,37
